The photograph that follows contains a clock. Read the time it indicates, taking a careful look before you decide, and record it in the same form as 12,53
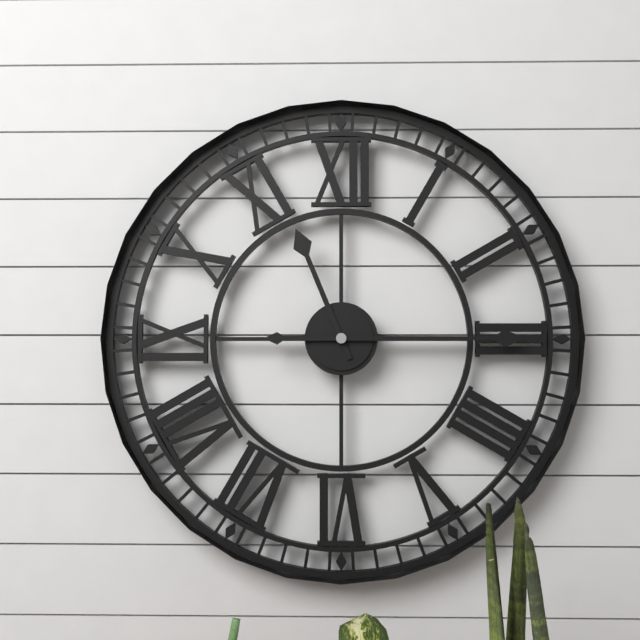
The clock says 11,15
